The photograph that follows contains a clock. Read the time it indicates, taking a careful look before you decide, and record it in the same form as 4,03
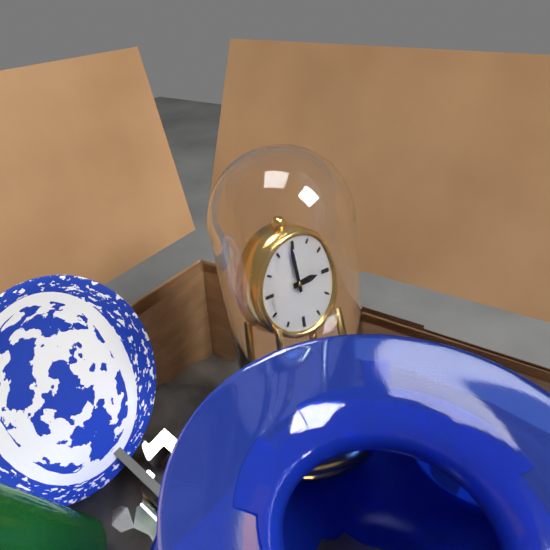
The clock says 2,59
